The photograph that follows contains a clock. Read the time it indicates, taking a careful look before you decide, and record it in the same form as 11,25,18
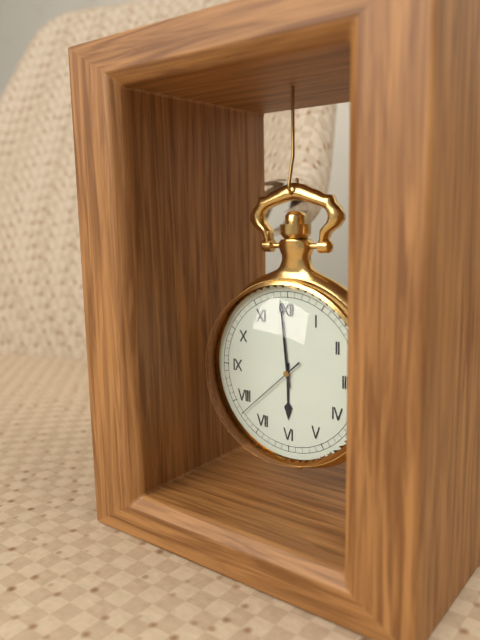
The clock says 5,59,38
